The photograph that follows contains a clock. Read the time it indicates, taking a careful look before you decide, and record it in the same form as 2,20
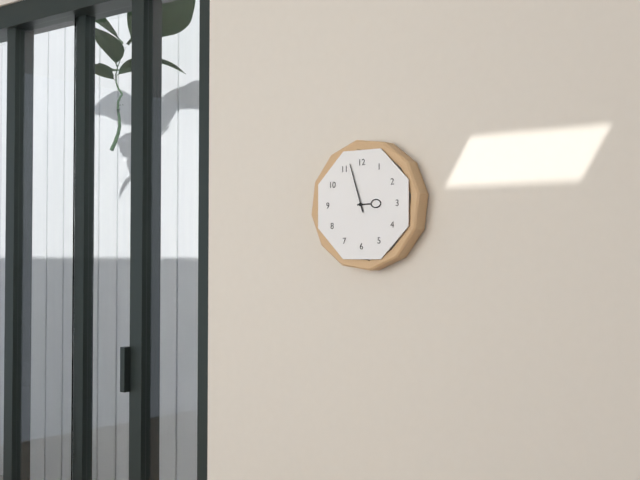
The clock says 2,57
